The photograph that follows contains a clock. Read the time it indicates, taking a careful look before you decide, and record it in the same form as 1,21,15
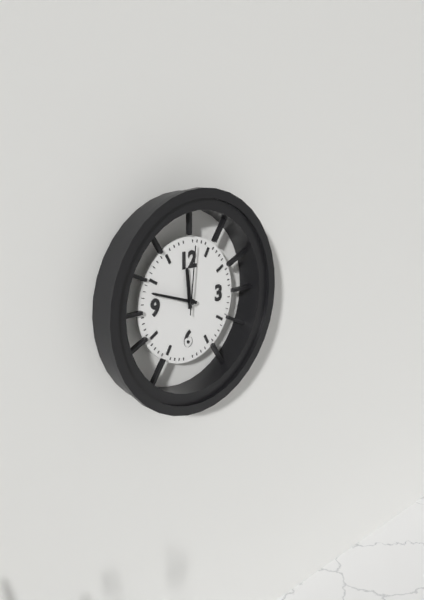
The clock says 11,48,01
